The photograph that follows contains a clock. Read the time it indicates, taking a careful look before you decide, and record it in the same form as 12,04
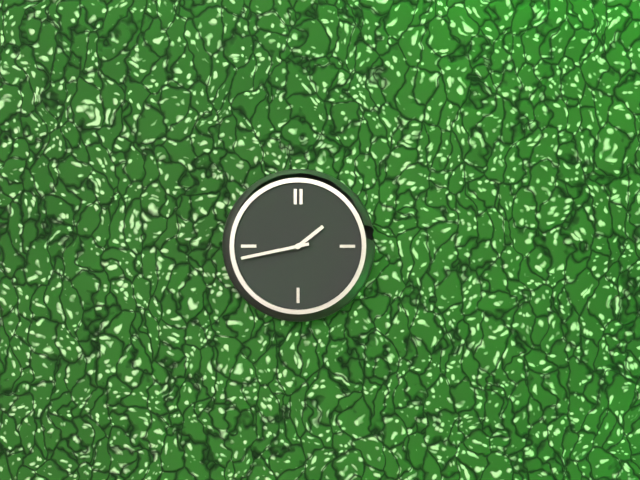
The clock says 1,43
